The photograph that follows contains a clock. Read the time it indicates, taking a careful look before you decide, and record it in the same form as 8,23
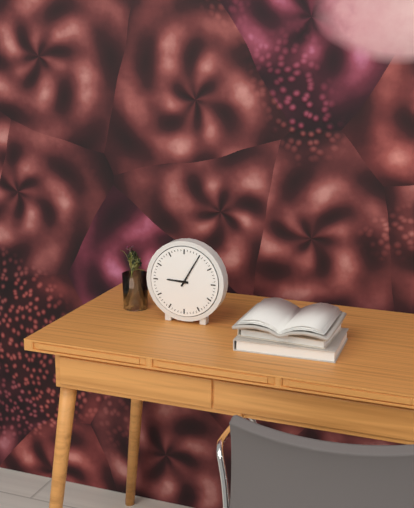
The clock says 9,05
